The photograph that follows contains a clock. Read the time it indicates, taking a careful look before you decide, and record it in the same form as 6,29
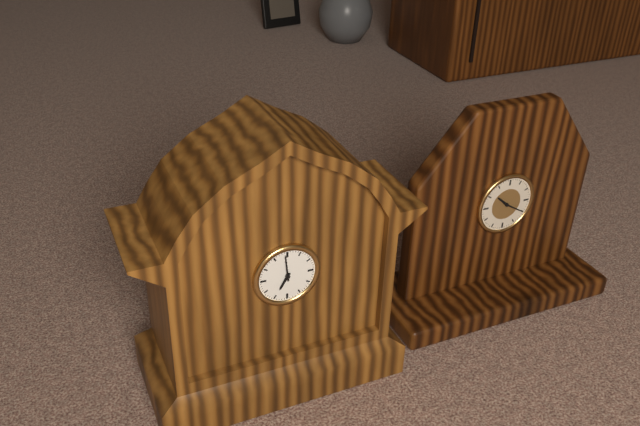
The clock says 6,59
